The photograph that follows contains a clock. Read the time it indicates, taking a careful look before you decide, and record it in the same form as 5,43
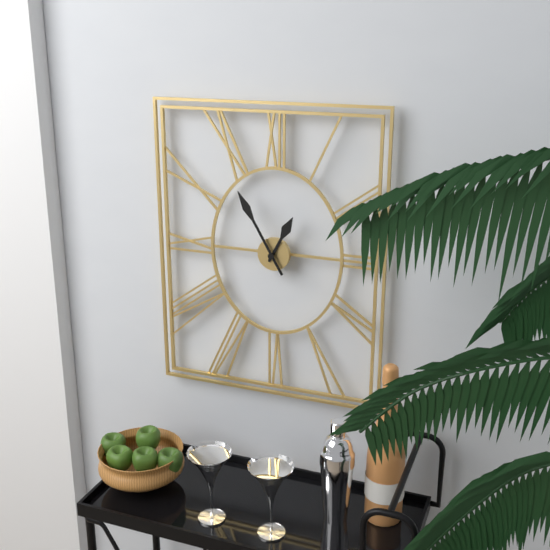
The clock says 12,55
